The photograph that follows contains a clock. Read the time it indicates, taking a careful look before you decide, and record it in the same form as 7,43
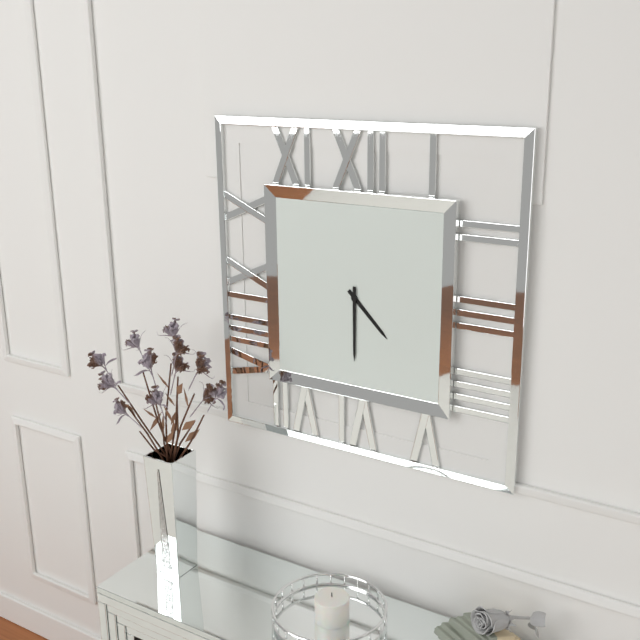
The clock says 4,30
